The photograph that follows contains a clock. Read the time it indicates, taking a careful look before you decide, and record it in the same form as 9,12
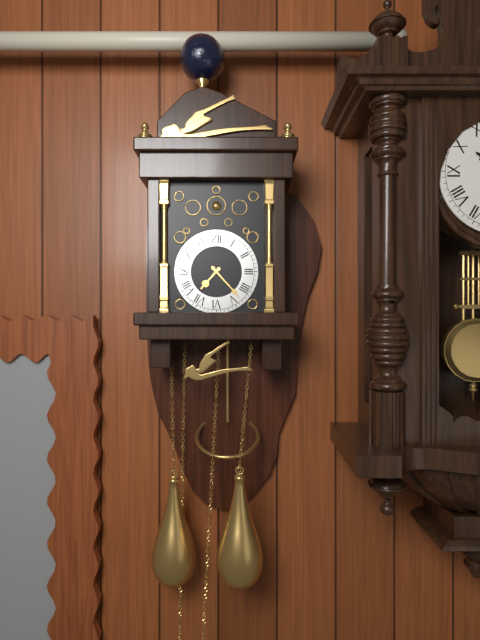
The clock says 7,23
